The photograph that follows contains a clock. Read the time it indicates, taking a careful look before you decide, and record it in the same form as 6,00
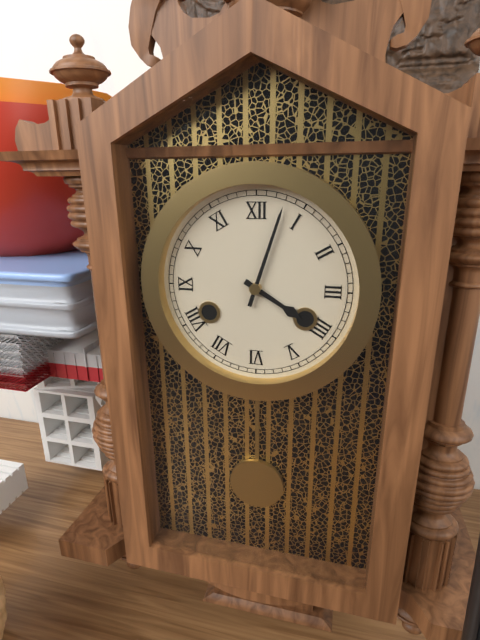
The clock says 4,03
